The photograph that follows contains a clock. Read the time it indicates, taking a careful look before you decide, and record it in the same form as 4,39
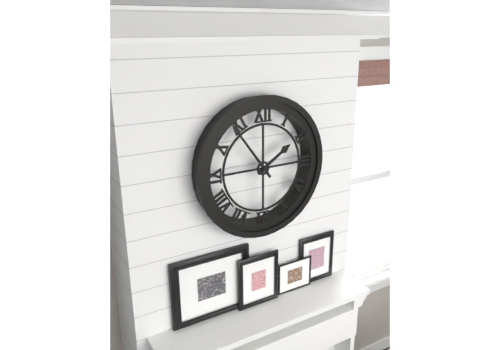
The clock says 1,54
